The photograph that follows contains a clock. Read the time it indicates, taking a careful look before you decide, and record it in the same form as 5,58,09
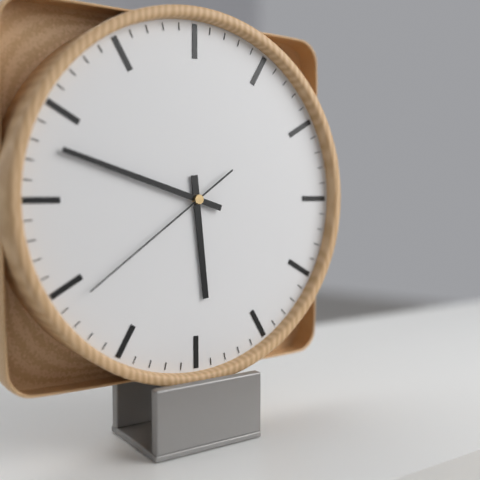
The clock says 5,48,39
